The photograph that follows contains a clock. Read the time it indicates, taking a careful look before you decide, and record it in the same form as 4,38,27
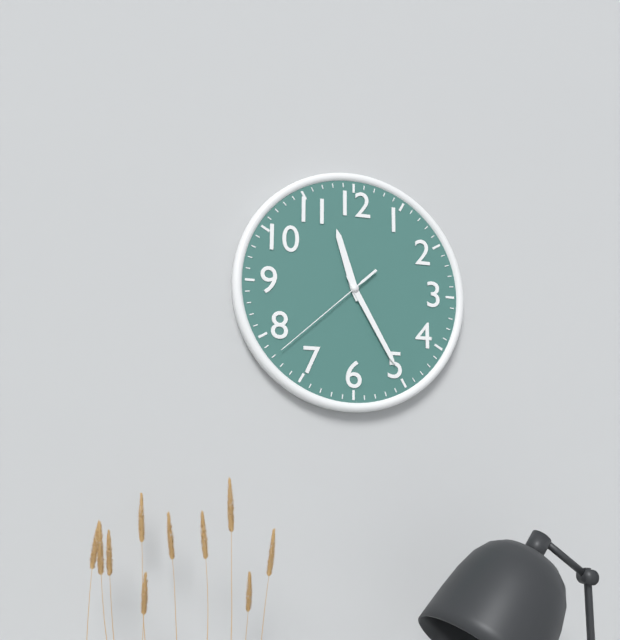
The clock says 11,25,38
